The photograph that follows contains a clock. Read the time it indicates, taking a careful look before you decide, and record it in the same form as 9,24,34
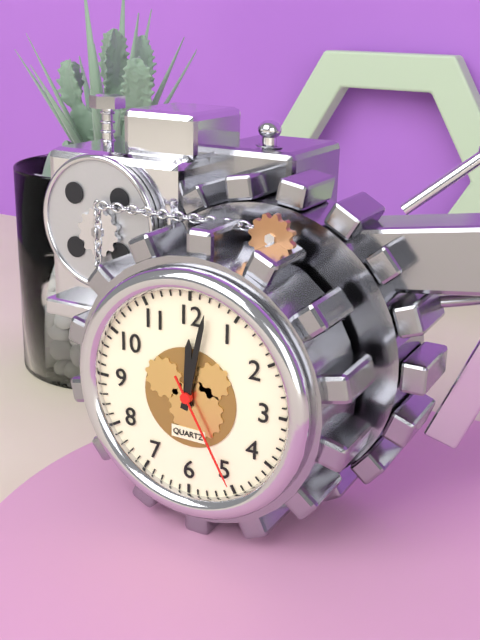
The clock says 12,02,25
